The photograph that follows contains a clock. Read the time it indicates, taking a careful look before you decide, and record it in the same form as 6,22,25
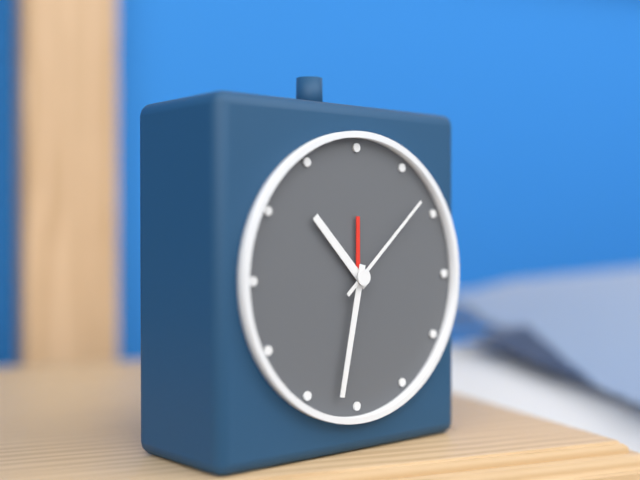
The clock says 10,32,08
